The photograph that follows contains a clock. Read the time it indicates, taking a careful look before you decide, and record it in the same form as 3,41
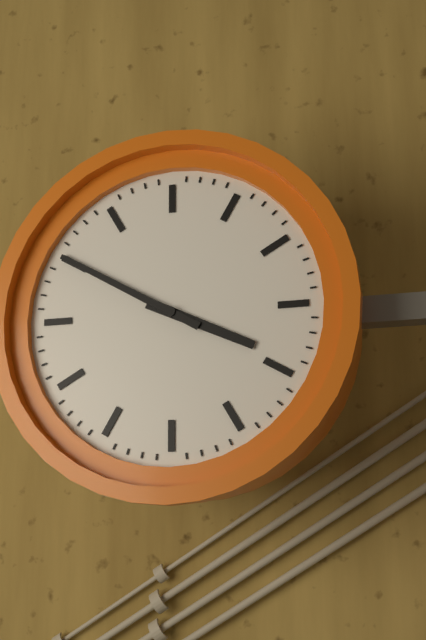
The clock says 3,50
